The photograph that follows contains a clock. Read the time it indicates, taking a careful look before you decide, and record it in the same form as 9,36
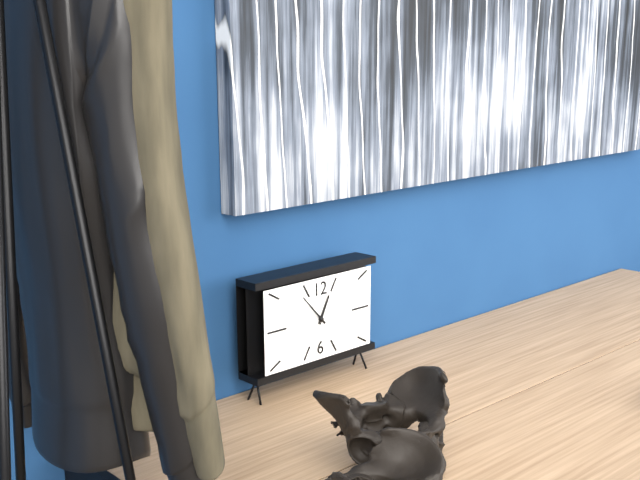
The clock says 12,53
